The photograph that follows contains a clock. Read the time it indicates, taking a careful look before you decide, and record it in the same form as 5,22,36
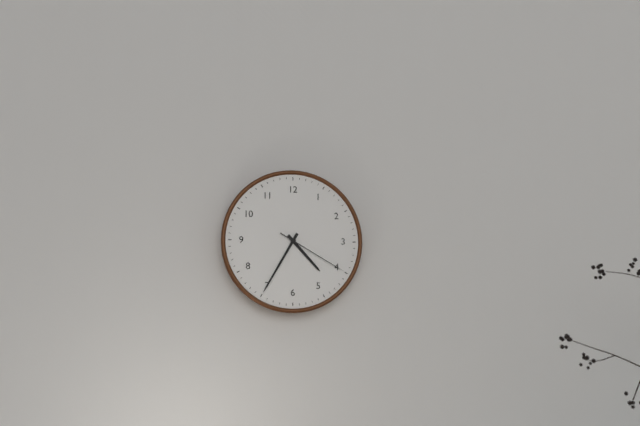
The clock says 4,35,20
